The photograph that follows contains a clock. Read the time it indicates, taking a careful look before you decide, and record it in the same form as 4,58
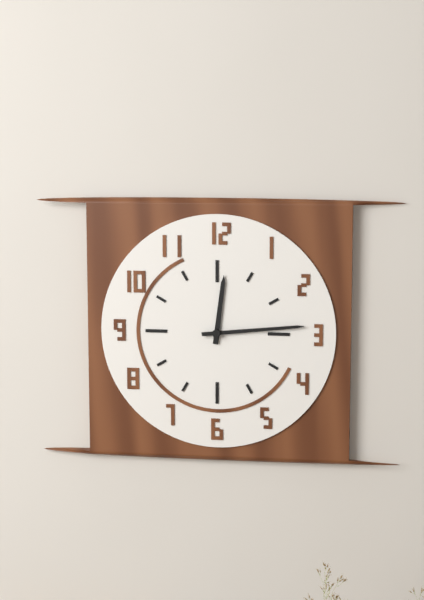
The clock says 12,14
